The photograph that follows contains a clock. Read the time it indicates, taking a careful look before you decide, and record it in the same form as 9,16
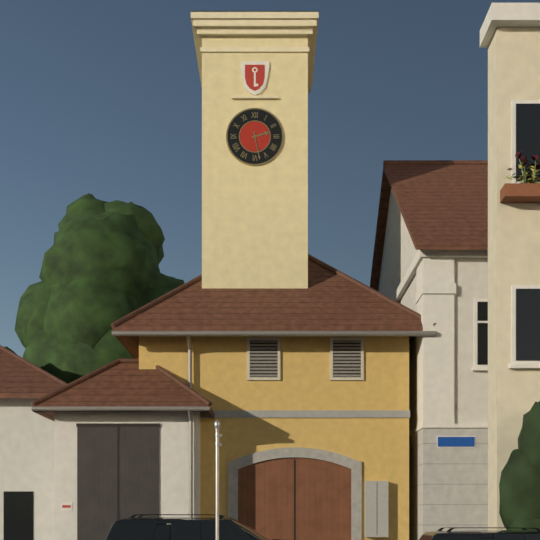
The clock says 2,28
